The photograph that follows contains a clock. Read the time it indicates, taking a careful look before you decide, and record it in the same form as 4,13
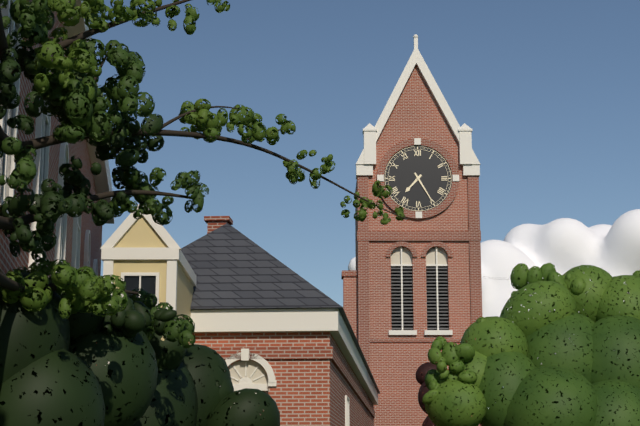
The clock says 7,25
